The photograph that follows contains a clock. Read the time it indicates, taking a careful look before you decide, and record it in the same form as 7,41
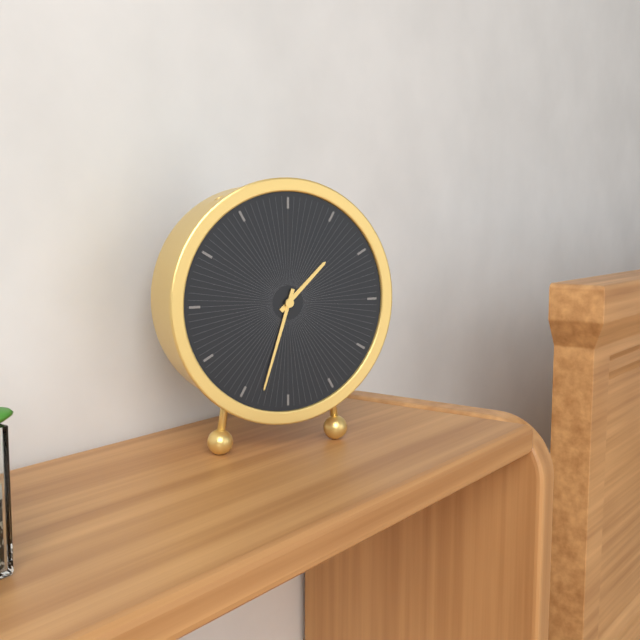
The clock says 1,33
